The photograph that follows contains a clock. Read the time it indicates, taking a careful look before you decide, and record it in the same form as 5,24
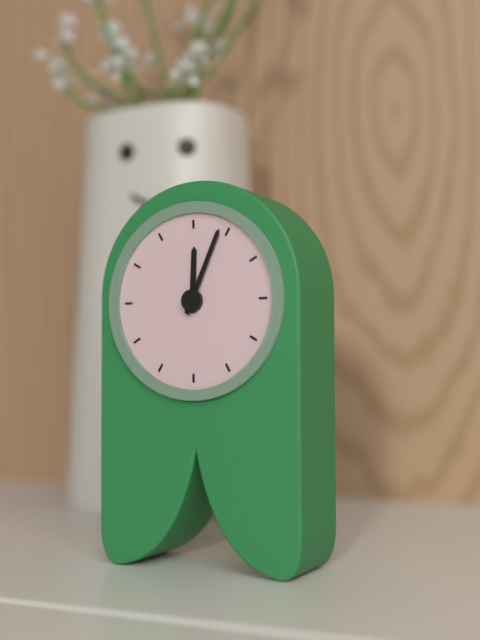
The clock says 12,04
